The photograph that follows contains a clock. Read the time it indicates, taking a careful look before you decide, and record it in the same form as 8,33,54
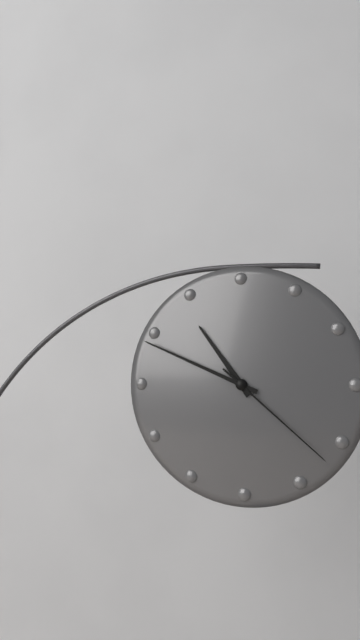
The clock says 10,49,22
